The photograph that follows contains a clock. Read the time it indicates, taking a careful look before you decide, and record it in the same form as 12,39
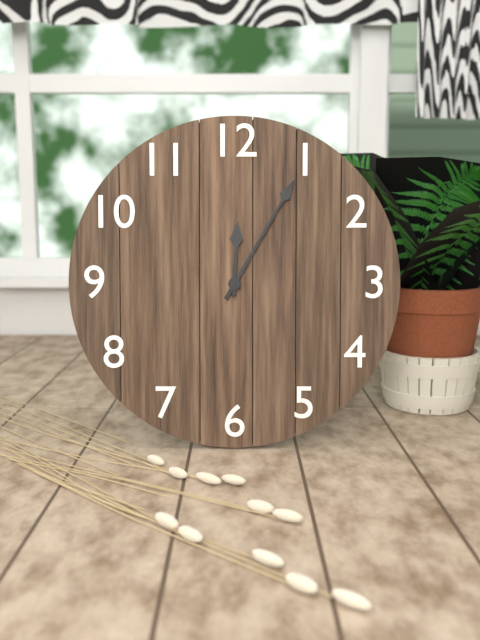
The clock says 12,05
